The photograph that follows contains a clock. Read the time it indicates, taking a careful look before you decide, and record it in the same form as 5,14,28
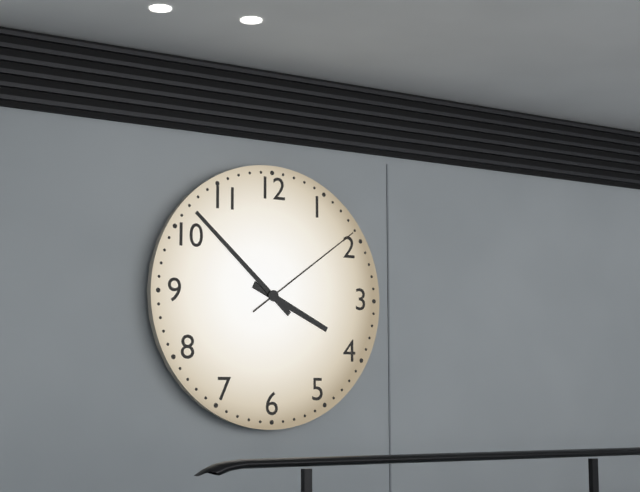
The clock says 3,52,09
